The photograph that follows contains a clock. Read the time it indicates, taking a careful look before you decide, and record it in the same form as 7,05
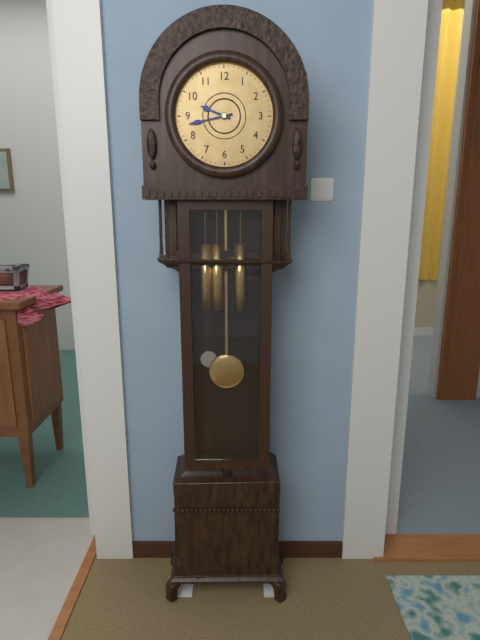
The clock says 9,43
